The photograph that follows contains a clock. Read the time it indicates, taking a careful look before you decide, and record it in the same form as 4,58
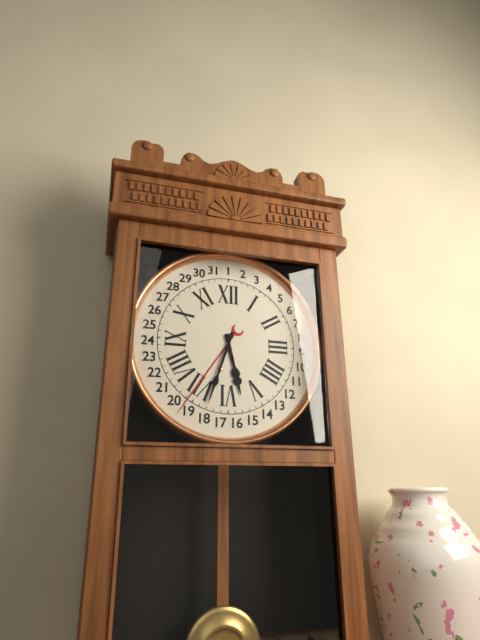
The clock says 5,33
